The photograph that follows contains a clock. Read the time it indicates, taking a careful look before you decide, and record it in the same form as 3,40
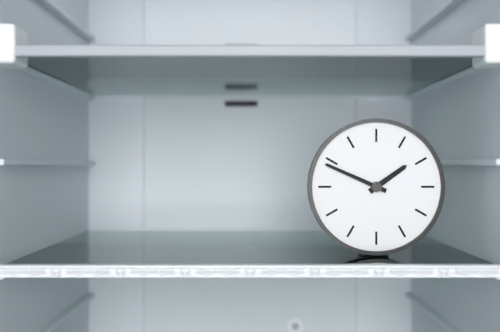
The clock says 1,49
